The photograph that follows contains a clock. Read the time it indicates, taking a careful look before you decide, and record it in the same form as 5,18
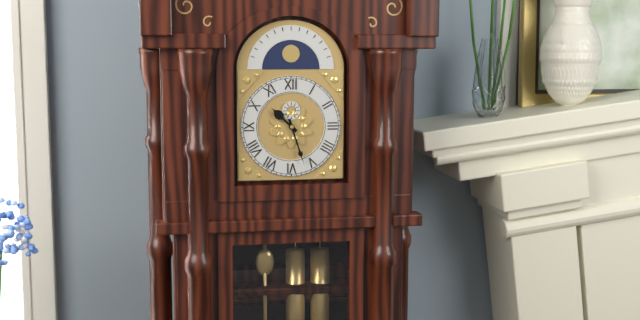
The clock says 10,27
